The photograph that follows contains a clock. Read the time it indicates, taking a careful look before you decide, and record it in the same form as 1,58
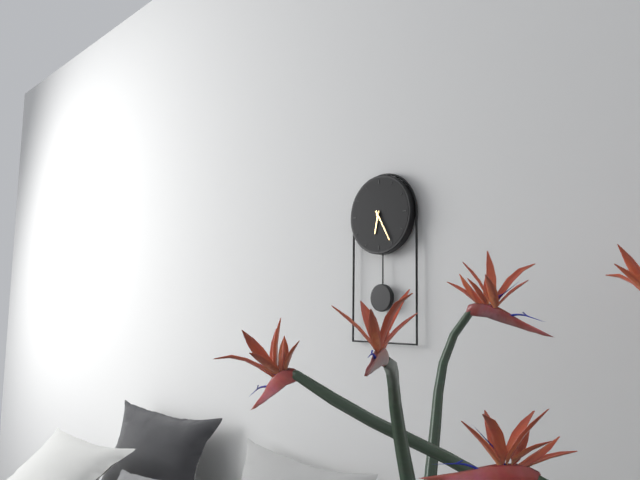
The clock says 6,25
